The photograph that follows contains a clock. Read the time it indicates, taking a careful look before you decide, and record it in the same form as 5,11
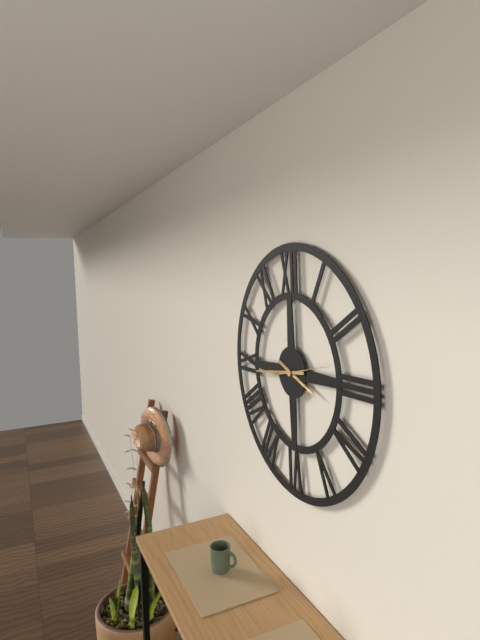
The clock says 3,44
